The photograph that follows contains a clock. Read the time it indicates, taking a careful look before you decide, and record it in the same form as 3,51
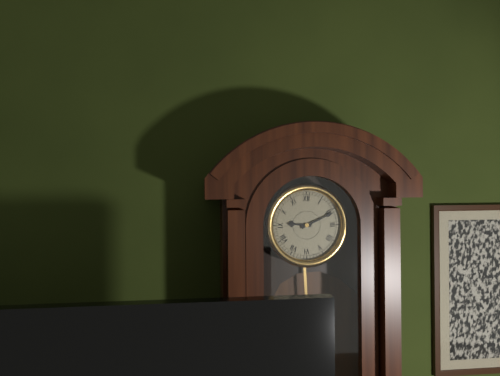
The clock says 9,11
